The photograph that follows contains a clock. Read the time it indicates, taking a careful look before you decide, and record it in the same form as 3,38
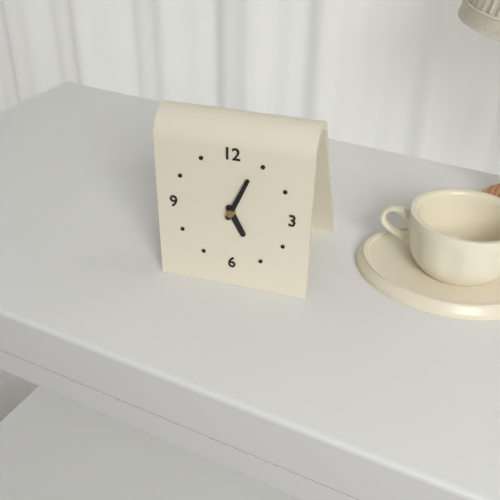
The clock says 5,04
